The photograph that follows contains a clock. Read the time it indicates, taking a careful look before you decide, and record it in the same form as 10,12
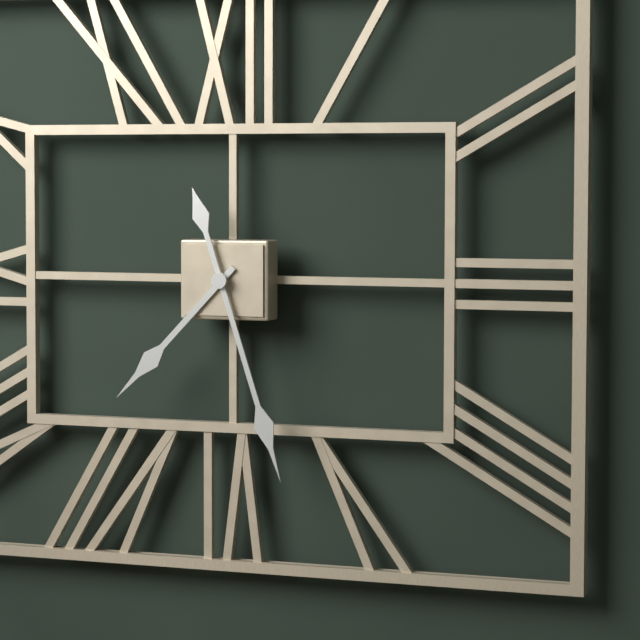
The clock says 7,27
